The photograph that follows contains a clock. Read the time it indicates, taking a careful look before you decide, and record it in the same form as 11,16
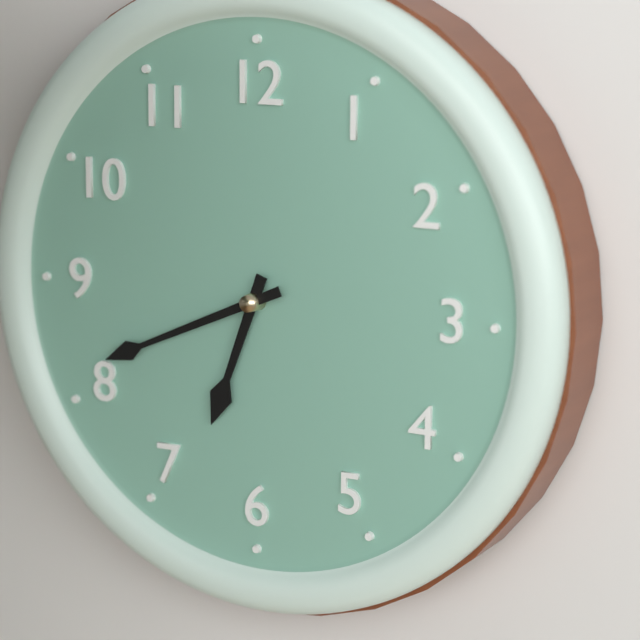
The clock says 6,41
